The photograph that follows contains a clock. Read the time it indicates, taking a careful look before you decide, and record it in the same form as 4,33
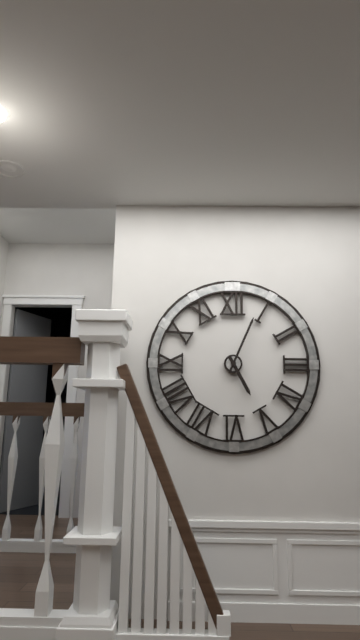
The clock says 5,04
